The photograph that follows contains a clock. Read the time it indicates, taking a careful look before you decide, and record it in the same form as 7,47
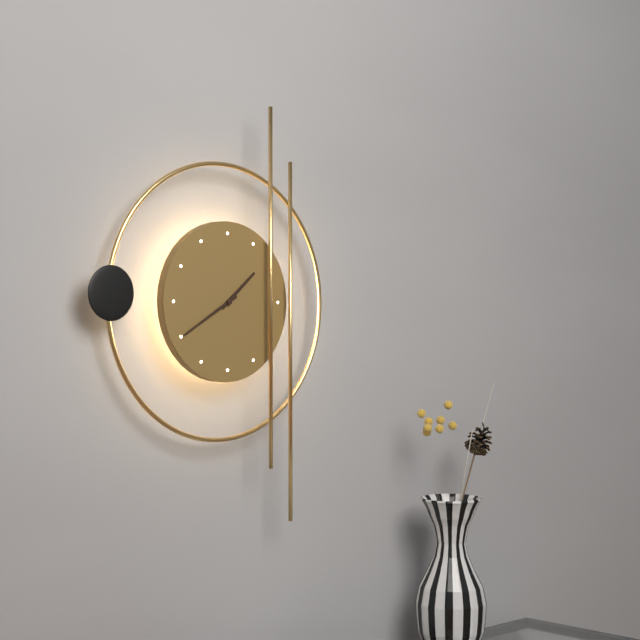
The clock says 1,40
